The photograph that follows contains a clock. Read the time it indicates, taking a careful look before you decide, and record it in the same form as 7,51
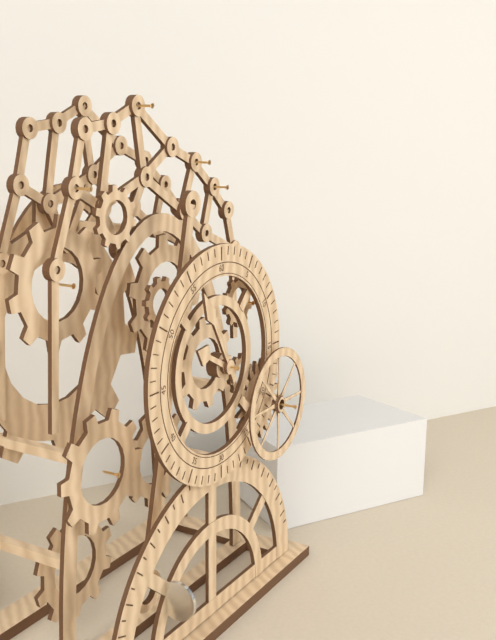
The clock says 9,55
